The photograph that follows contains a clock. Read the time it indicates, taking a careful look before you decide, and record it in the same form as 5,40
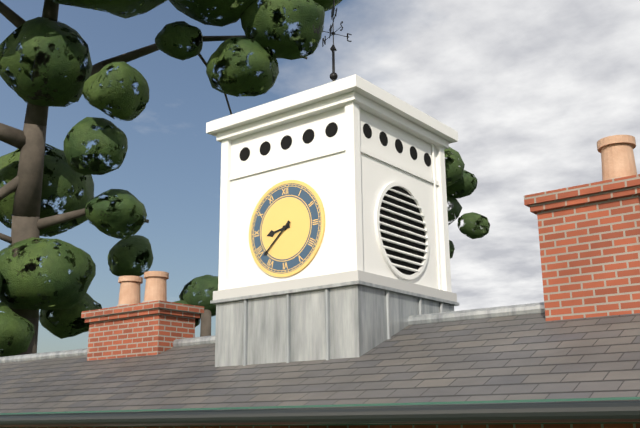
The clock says 8,38
